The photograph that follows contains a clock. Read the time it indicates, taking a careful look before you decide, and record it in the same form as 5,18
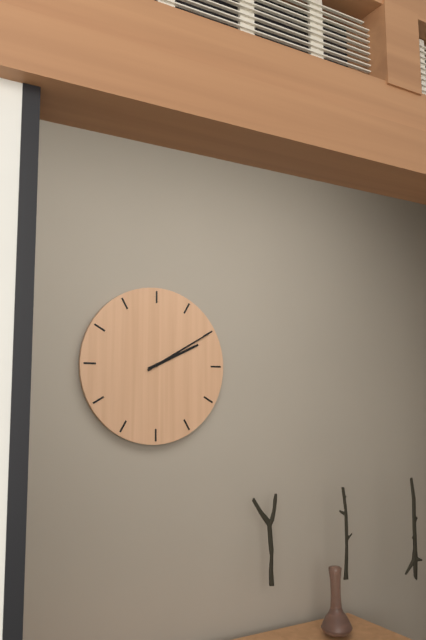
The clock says 2,10
